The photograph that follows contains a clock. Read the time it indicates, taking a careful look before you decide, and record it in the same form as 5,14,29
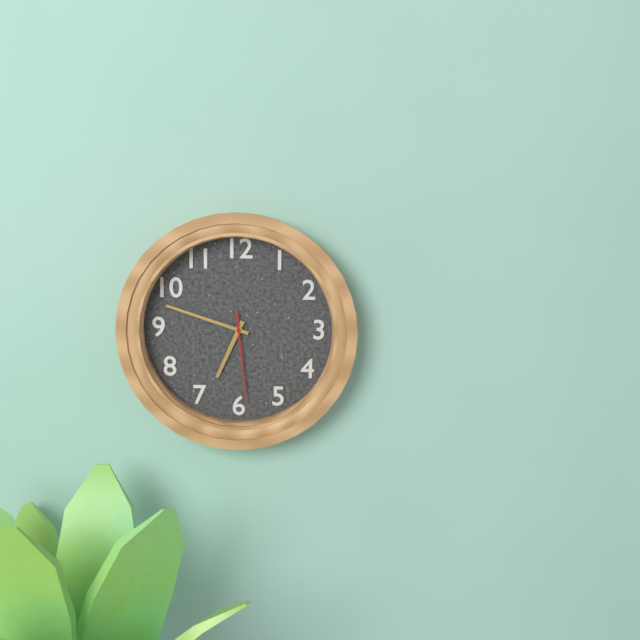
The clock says 6,48,29
